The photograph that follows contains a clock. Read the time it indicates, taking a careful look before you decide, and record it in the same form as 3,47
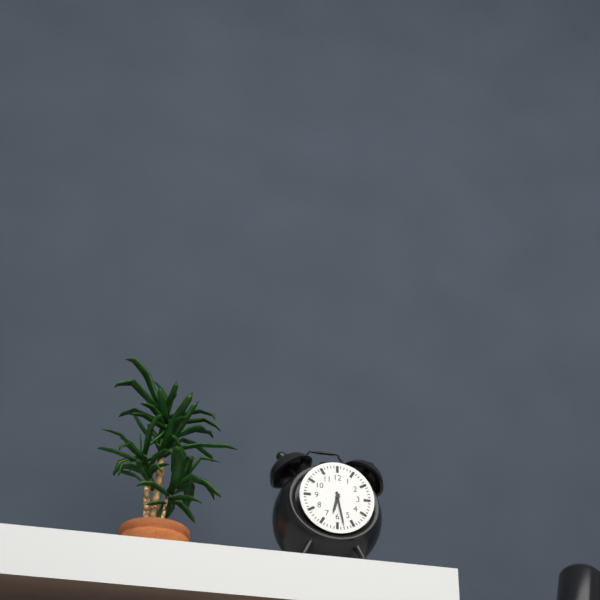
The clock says 6,28
